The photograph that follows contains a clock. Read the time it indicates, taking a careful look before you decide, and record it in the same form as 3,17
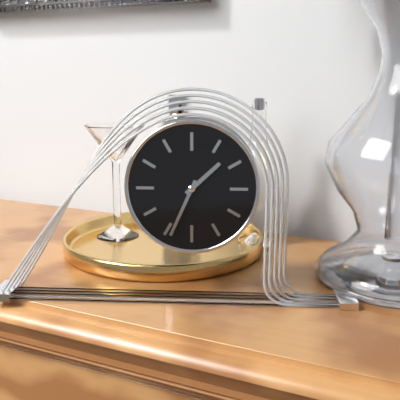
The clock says 1,34
